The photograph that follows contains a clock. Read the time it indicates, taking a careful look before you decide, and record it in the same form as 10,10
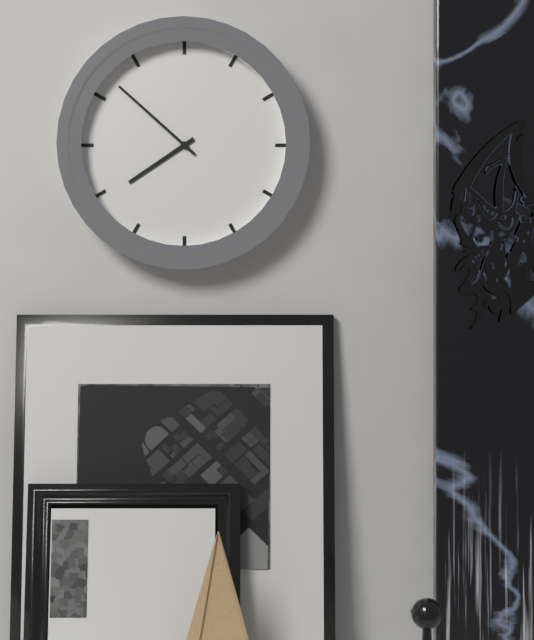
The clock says 7,52
